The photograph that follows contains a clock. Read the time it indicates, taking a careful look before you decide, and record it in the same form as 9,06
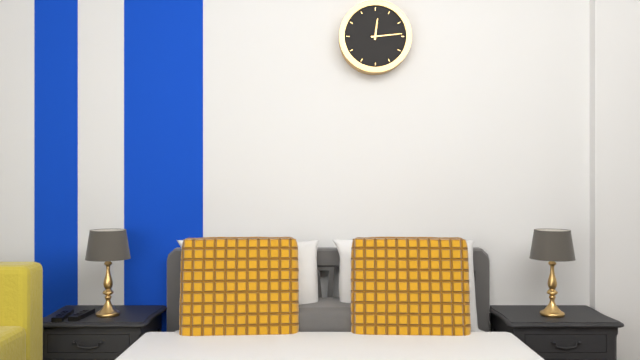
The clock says 12,14
